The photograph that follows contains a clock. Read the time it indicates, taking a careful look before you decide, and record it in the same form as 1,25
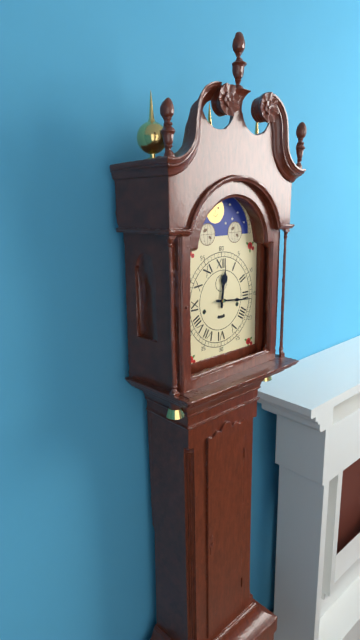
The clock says 12,16
